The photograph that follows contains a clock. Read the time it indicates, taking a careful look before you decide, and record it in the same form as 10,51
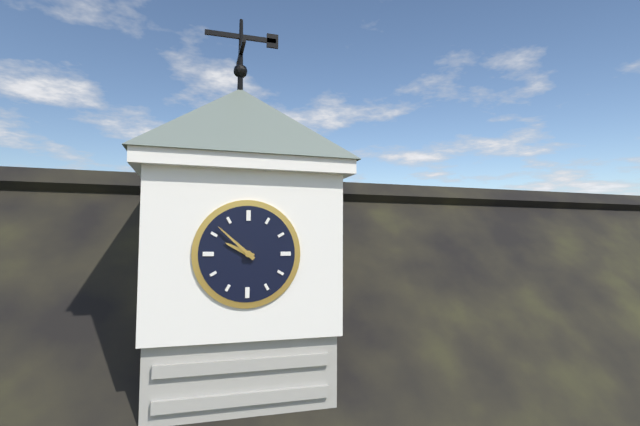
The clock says 9,52
